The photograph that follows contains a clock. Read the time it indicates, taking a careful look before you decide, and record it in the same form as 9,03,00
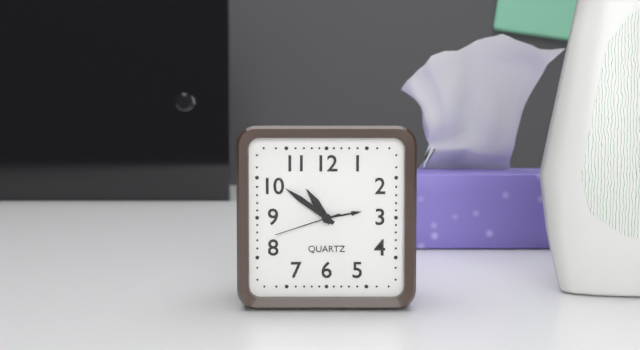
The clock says 10,51,42
